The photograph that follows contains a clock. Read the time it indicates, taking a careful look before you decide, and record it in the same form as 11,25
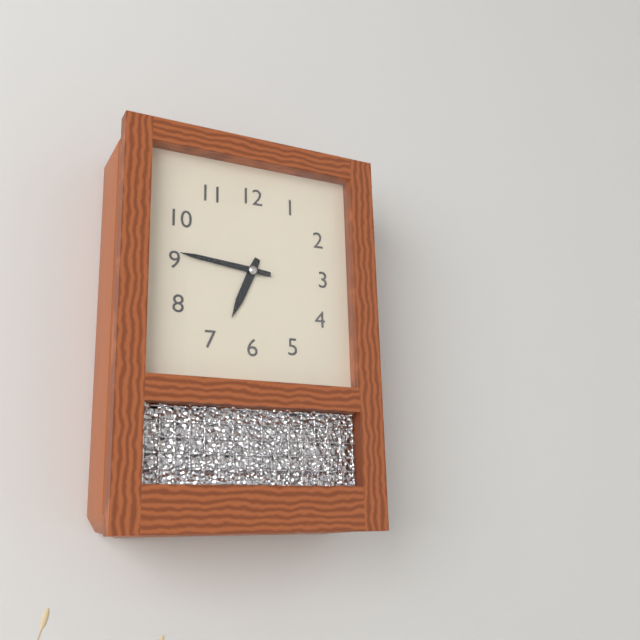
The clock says 6,46
